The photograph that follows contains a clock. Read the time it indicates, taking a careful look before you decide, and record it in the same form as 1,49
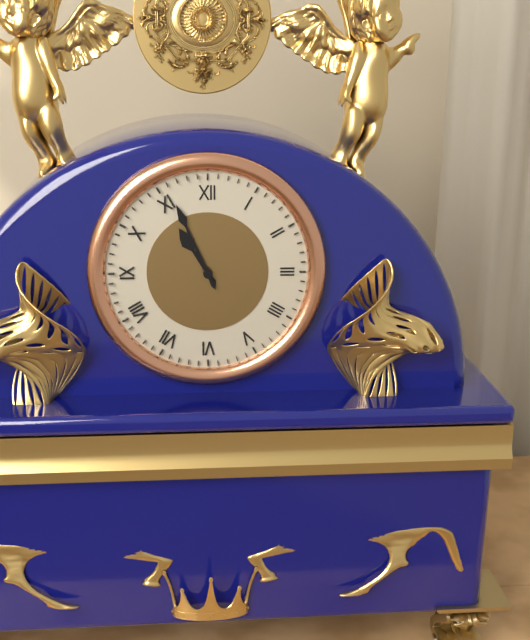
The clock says 10,56
